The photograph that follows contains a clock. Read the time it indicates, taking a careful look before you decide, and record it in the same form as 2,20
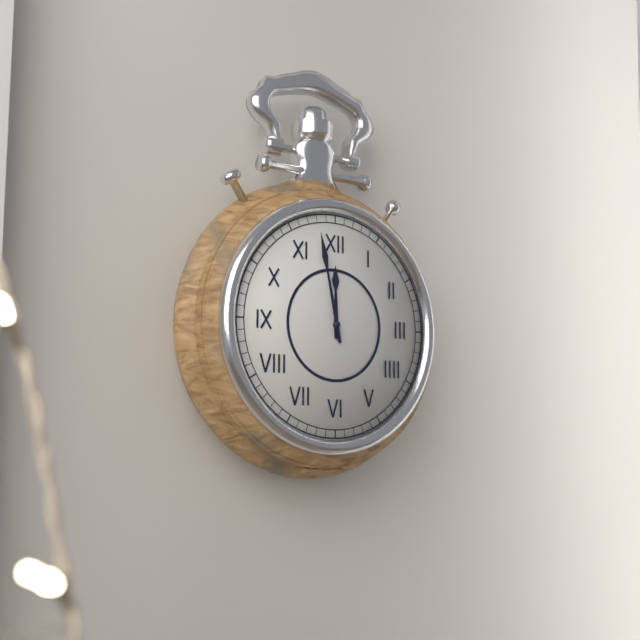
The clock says 11,58
